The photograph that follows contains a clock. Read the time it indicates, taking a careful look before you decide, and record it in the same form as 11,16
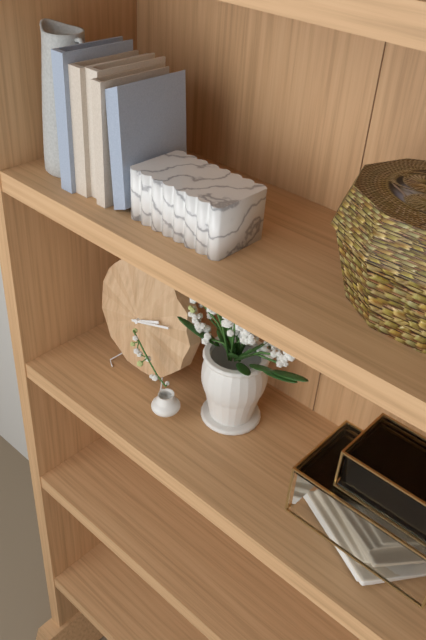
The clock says 2,12
